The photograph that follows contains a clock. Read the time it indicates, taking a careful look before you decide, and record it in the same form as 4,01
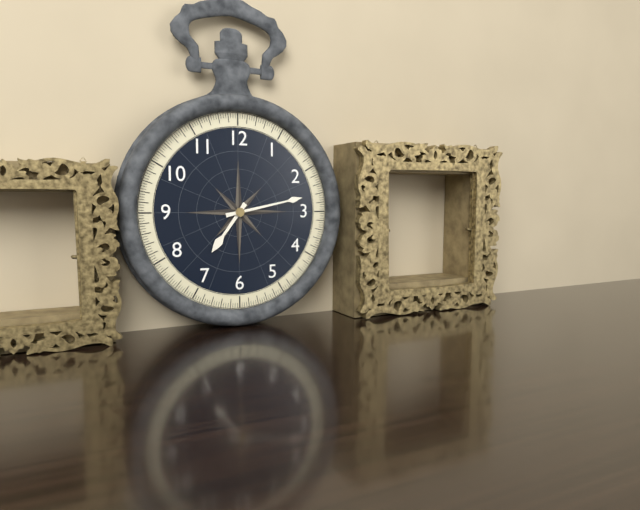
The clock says 7,13
